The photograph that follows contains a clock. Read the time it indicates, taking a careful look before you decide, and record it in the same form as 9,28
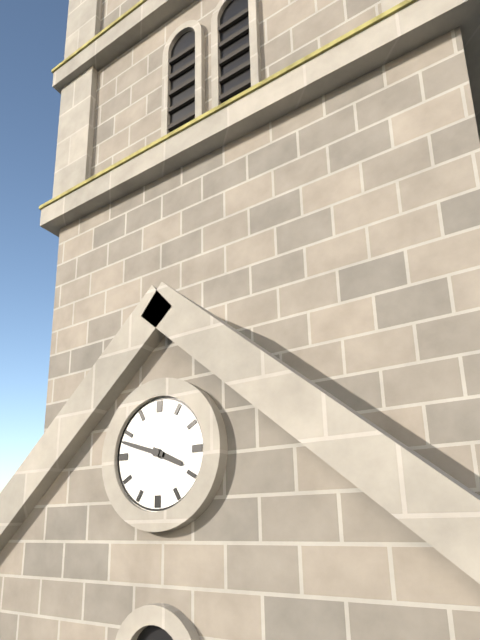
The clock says 3,48
